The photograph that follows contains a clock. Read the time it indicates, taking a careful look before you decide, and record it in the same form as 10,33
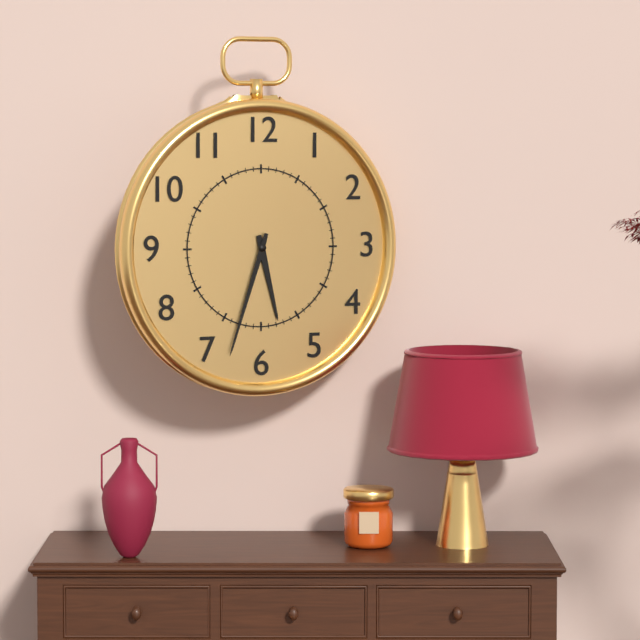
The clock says 5,33
